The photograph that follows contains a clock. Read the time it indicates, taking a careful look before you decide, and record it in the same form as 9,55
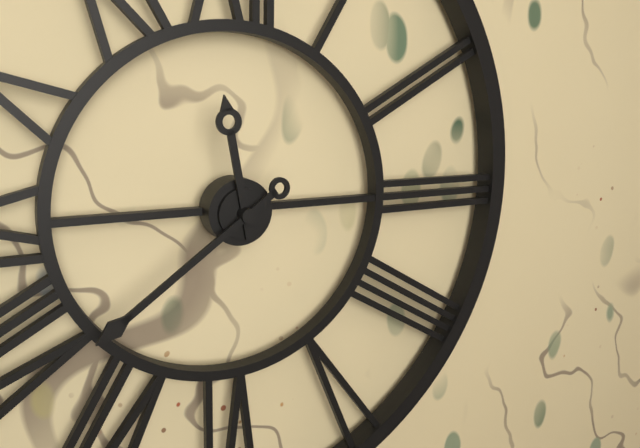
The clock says 11,39
